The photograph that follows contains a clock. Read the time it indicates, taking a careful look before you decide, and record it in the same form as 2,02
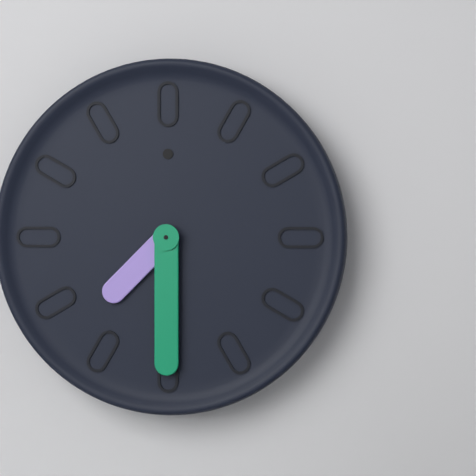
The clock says 7,30
